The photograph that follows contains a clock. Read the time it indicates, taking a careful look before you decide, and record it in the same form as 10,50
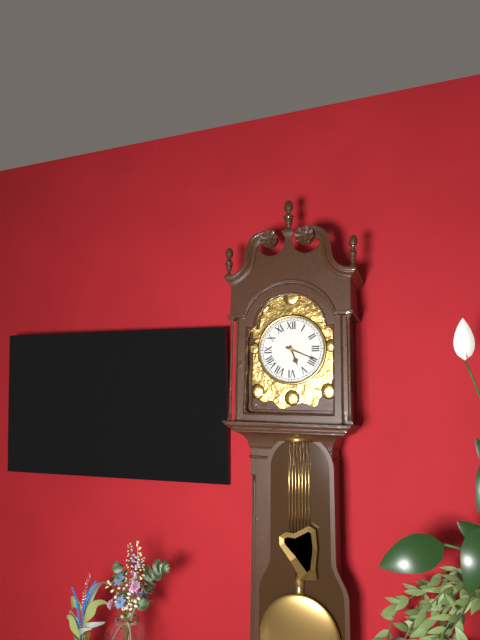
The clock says 5,19
